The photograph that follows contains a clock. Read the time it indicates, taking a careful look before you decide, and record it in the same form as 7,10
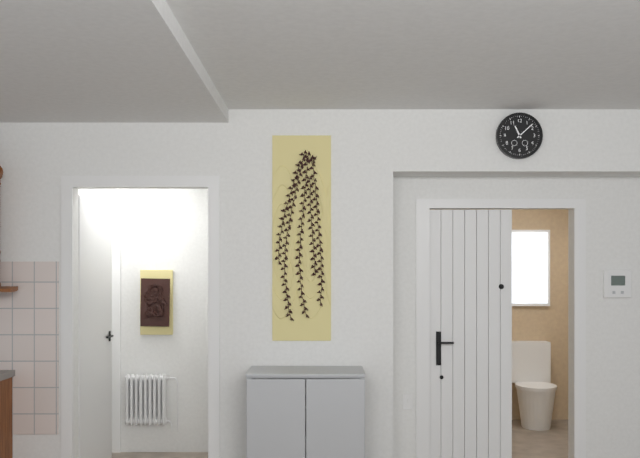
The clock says 11,08
